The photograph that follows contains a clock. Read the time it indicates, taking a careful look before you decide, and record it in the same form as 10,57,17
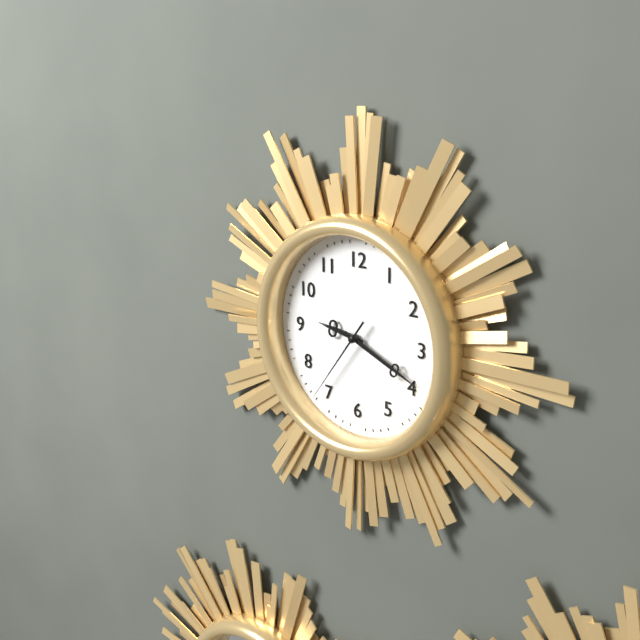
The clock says 9,19,36
